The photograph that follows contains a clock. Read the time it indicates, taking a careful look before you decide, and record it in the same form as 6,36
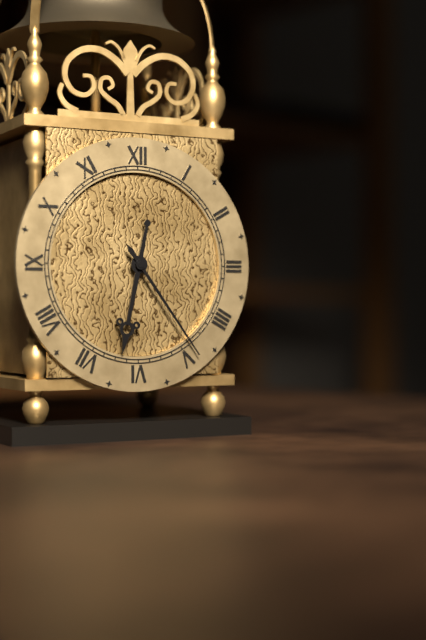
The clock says 6,24
